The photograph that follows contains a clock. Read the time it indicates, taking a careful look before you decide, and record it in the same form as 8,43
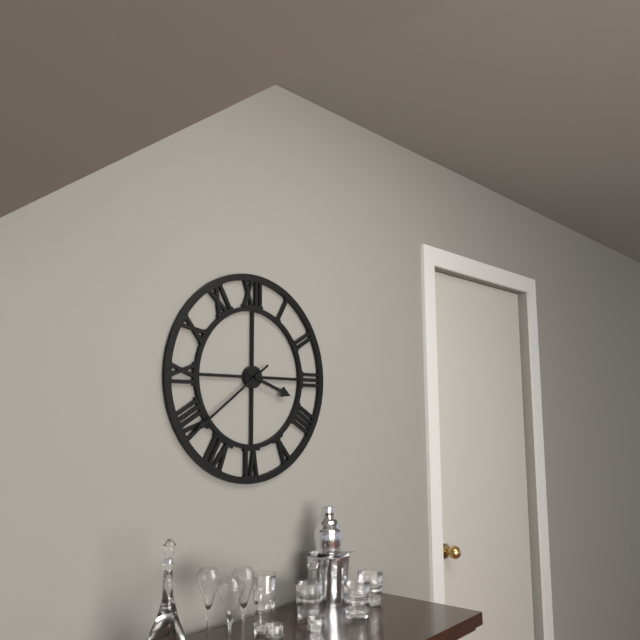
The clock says 3,39
